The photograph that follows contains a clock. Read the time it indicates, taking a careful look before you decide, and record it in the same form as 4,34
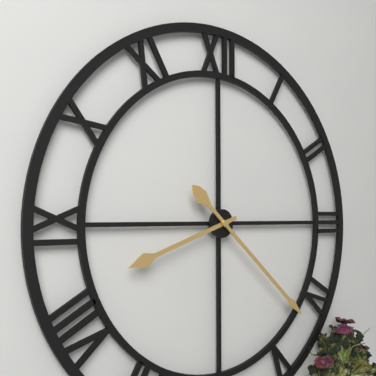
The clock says 8,22
